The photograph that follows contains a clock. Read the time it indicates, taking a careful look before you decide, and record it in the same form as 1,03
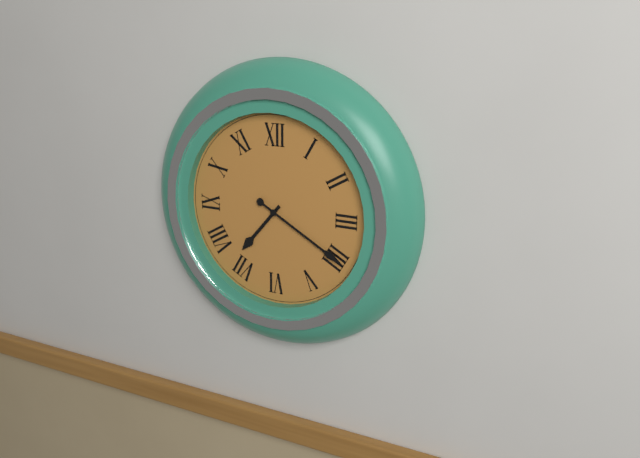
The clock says 7,20
